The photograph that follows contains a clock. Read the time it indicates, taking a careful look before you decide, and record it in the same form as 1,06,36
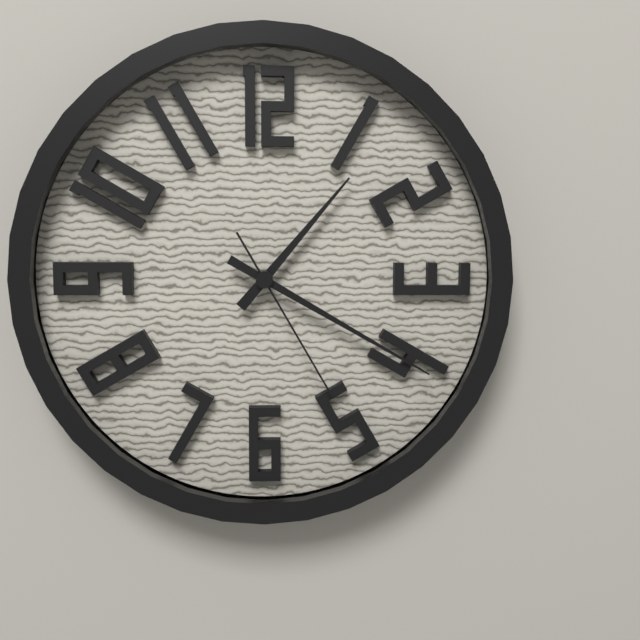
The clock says 1,20,25
